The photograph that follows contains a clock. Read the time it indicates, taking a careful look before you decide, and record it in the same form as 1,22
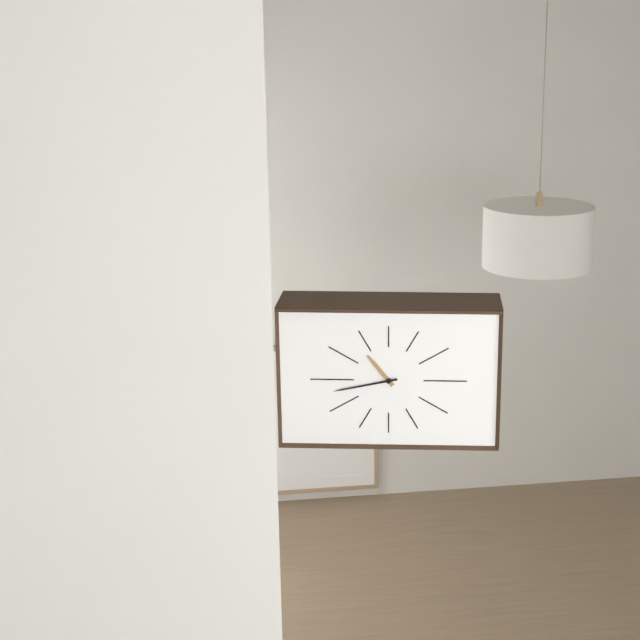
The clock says 10,43
